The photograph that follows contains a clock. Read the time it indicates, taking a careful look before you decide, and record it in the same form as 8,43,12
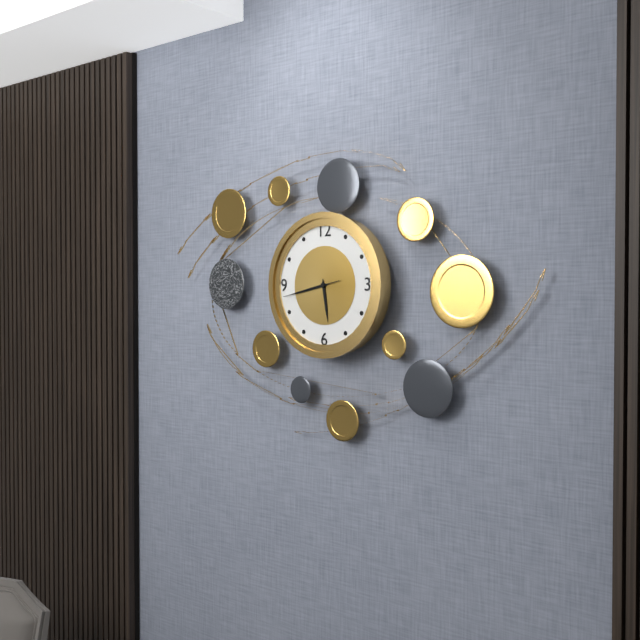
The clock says 5,43,43
